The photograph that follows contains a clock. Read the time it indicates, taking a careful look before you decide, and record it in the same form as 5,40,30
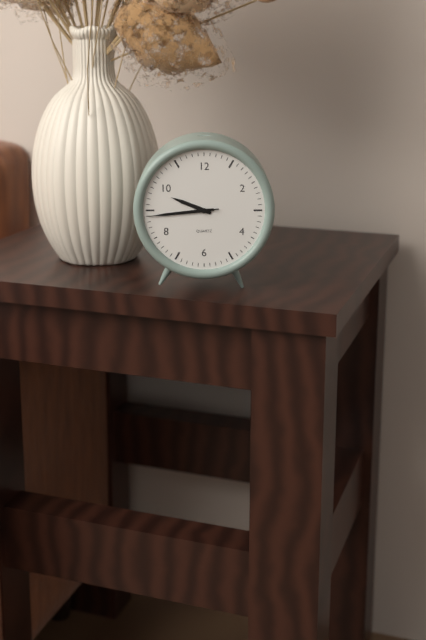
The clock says 9,44,44
